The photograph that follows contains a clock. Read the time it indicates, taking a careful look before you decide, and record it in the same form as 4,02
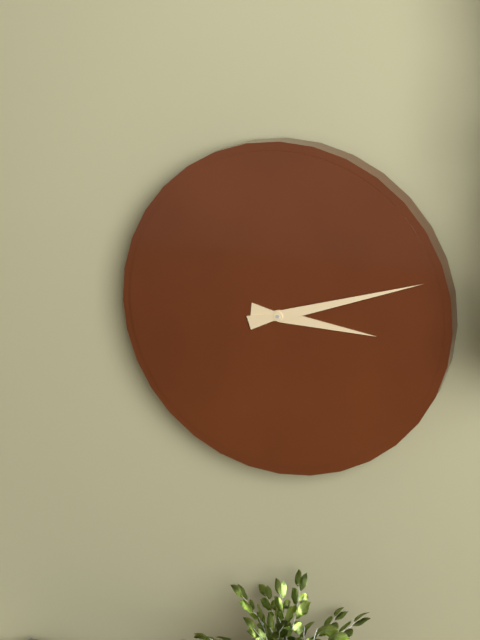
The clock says 3,12
